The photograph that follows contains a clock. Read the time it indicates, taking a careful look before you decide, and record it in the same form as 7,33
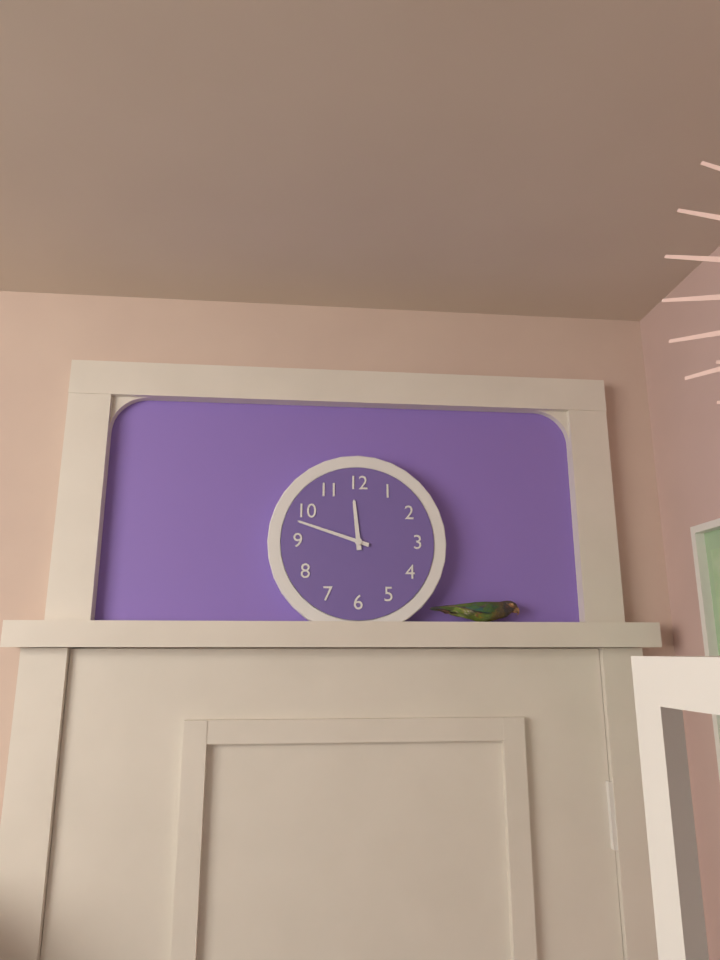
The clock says 11,48
